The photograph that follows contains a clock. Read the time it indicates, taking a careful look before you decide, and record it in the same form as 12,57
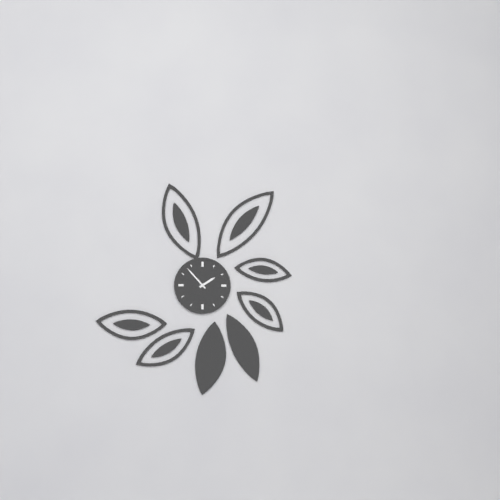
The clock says 1,53
